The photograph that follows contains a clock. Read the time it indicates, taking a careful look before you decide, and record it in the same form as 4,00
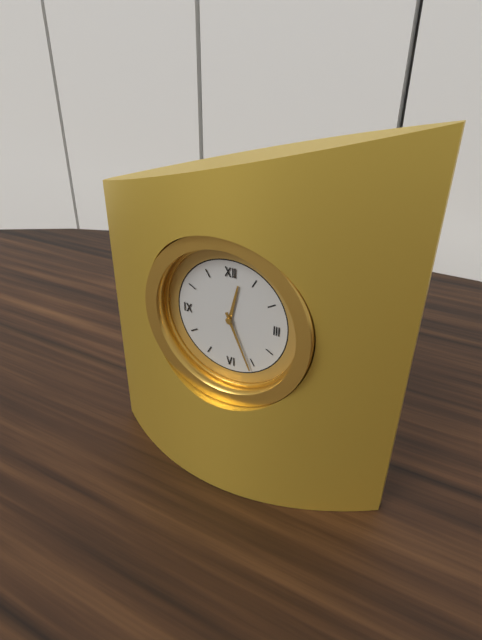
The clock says 12,26
